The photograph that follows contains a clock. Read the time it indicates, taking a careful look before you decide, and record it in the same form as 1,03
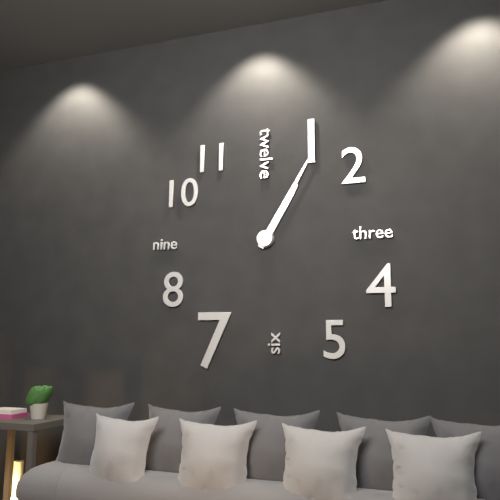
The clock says 1,05
